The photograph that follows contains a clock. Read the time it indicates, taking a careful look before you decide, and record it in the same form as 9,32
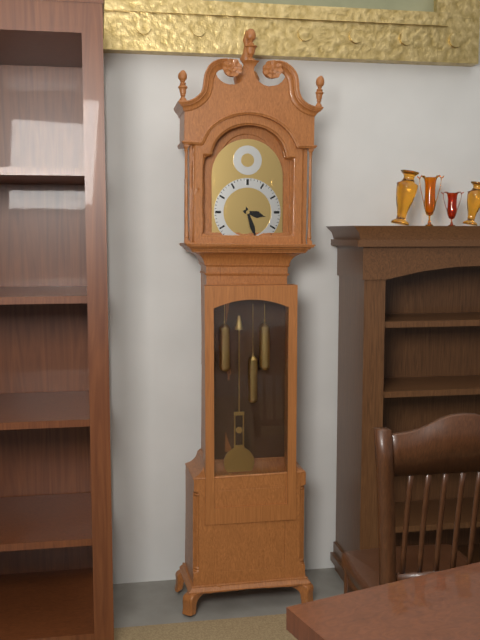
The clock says 3,27
